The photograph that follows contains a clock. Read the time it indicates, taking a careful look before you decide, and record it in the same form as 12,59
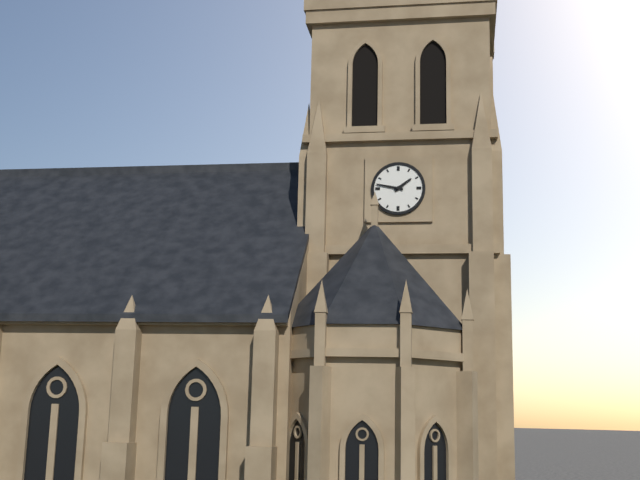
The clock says 1,47
